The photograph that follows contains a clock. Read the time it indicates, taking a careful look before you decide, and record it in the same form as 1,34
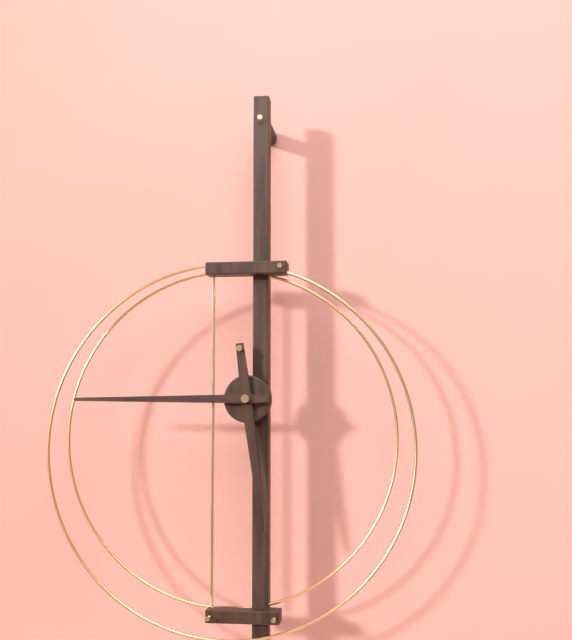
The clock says 5,45
